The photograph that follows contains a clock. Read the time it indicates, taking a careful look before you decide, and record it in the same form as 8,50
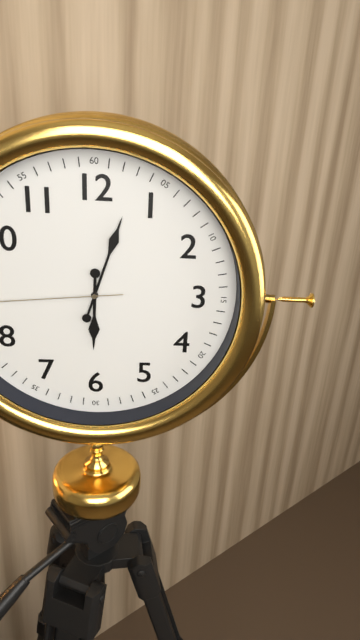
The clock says 6,03
